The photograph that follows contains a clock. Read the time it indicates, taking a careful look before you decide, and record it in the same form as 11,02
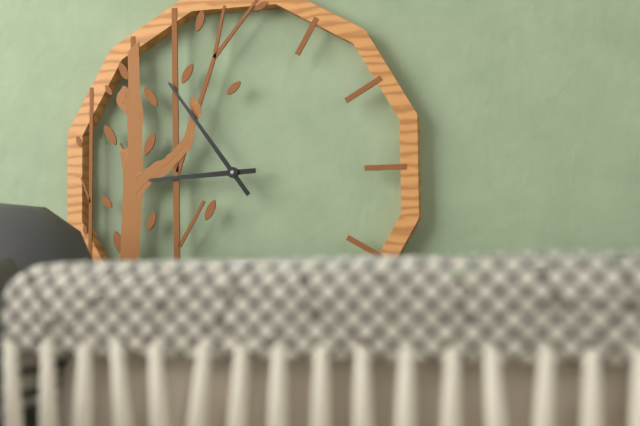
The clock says 8,54
